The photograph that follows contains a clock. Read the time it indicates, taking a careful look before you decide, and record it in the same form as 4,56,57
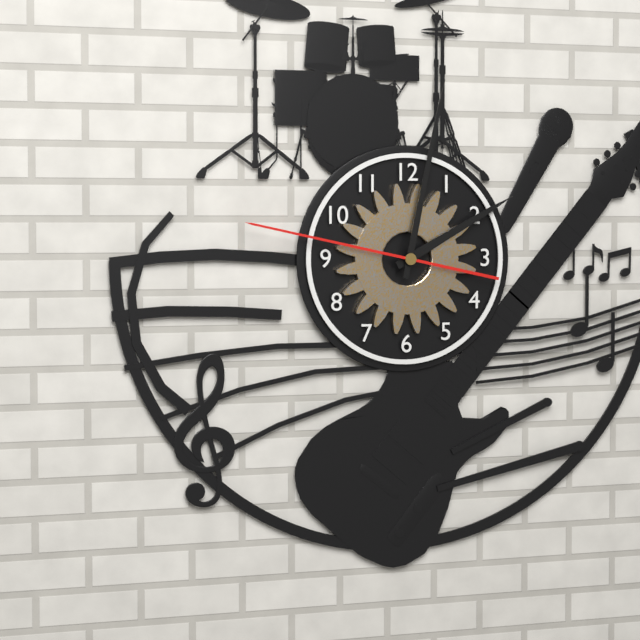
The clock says 2,02,47
